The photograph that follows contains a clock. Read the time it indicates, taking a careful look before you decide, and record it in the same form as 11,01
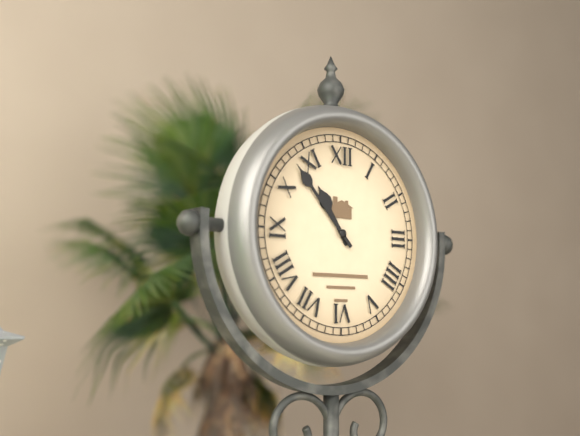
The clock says 10,53
